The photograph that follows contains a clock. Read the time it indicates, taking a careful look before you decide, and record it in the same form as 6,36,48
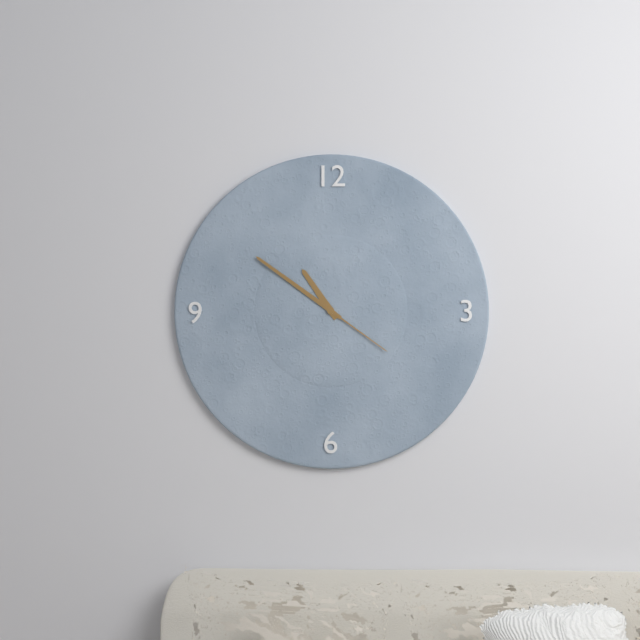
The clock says 10,51,21
